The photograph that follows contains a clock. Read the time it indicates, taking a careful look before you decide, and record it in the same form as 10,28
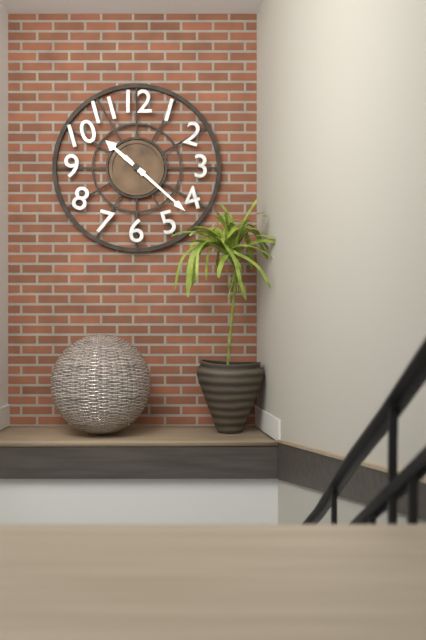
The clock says 10,22
